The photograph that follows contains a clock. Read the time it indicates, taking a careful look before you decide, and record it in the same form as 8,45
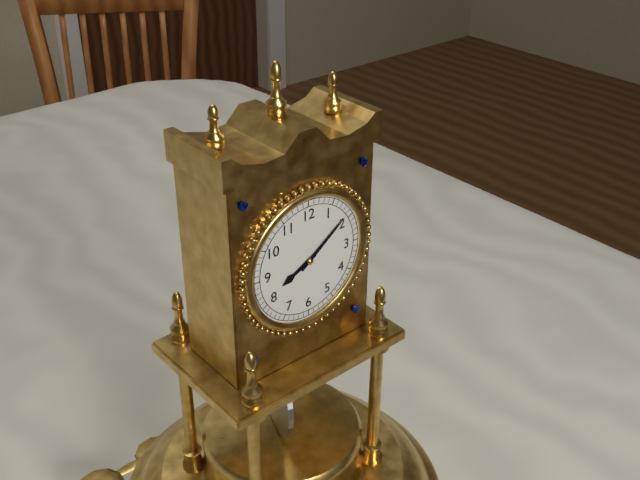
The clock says 8,09
